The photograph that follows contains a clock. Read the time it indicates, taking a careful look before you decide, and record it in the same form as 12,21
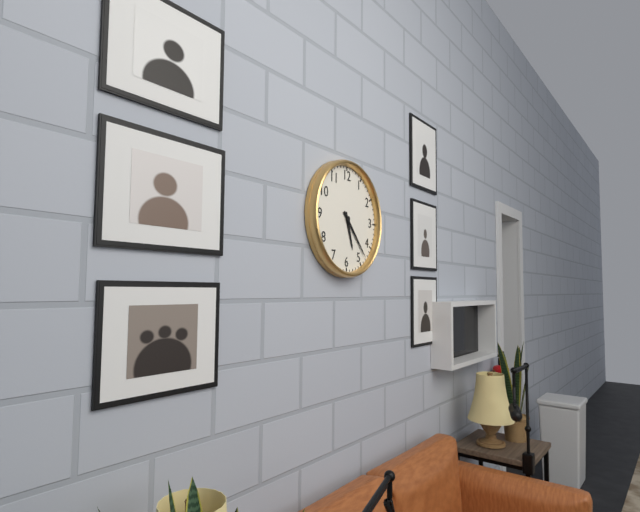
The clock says 5,23
